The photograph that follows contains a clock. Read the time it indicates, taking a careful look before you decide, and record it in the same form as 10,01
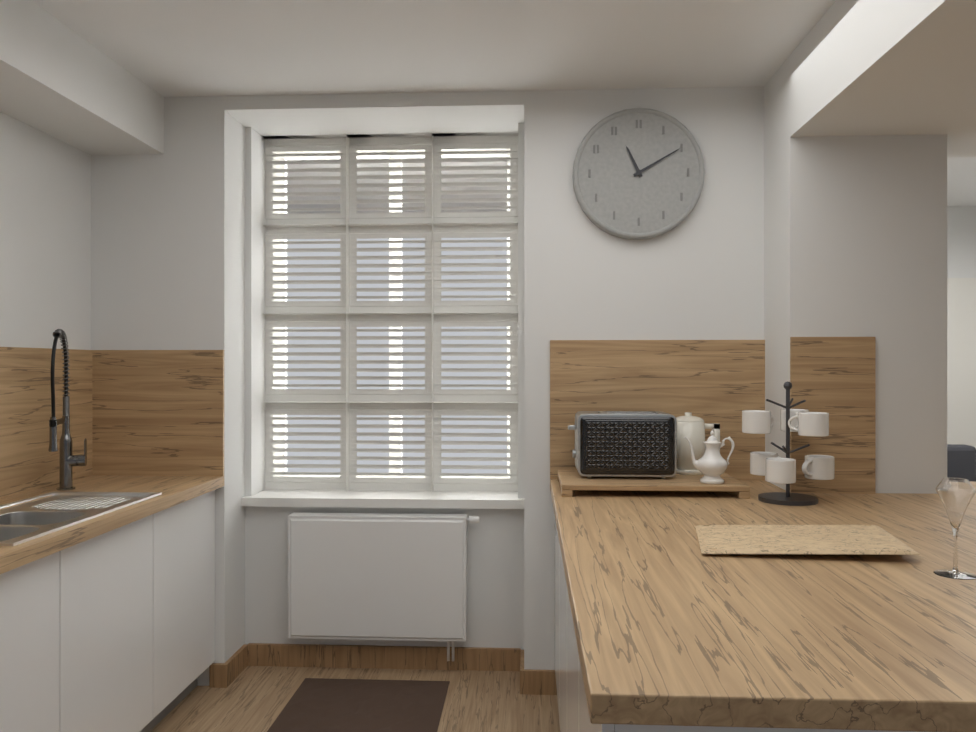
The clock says 11,10
